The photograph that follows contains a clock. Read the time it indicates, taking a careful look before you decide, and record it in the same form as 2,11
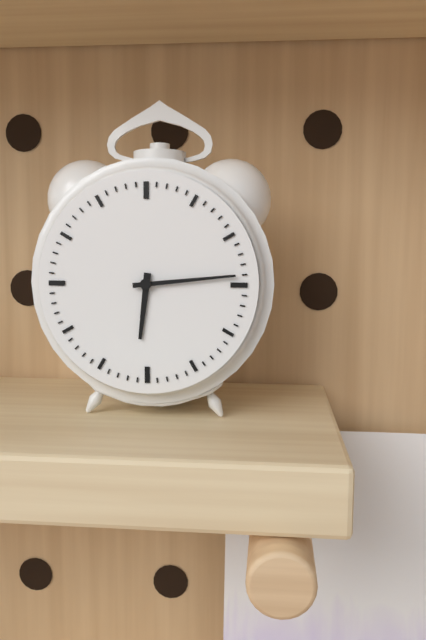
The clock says 6,14
